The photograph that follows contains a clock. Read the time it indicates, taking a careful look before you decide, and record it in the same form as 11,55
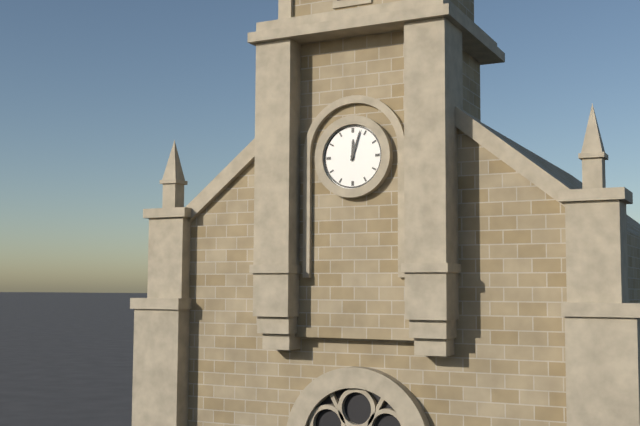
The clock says 12,03
